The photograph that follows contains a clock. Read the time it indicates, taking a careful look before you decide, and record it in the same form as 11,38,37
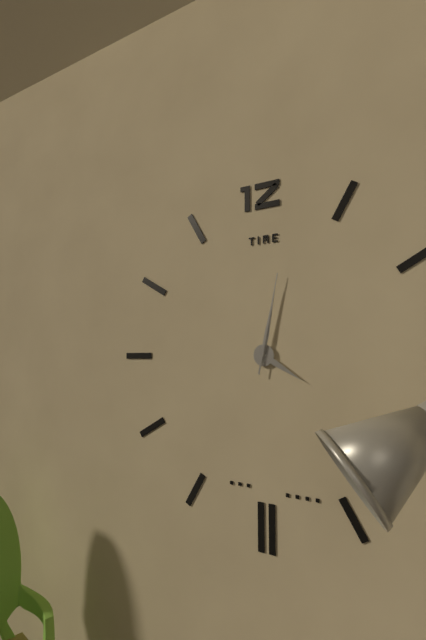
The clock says 4,02,02
